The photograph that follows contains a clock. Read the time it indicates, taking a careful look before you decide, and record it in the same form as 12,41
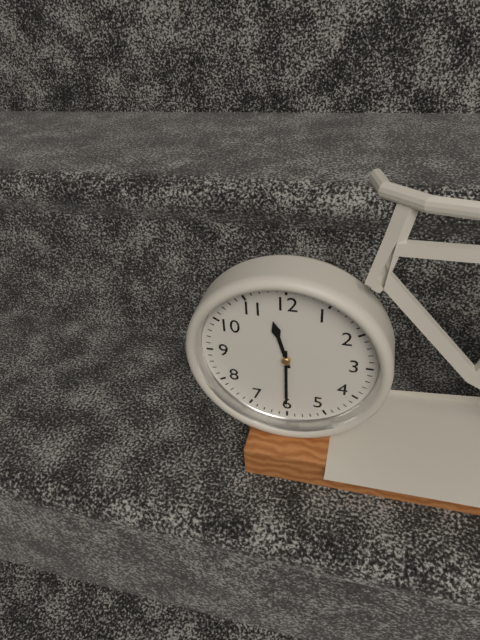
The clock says 11,30
